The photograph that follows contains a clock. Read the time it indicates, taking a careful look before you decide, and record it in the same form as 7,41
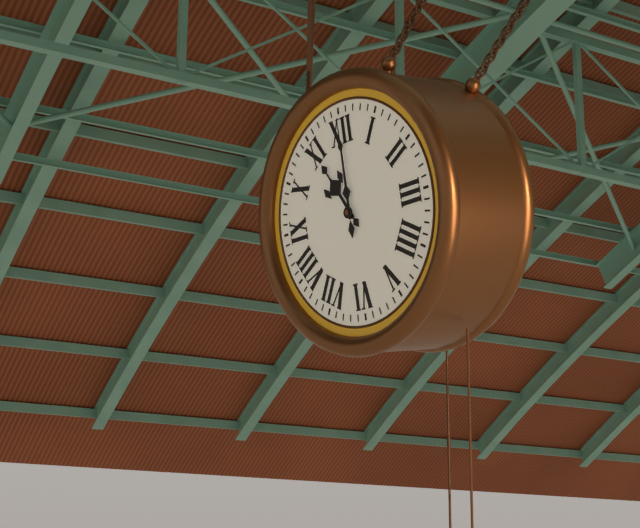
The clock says 11,00
